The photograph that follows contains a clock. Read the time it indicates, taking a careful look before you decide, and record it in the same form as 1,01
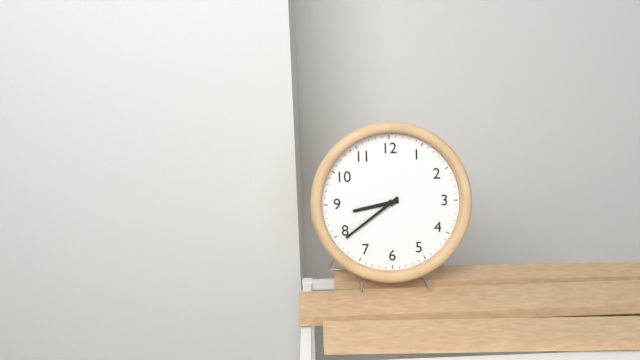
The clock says 8,39
